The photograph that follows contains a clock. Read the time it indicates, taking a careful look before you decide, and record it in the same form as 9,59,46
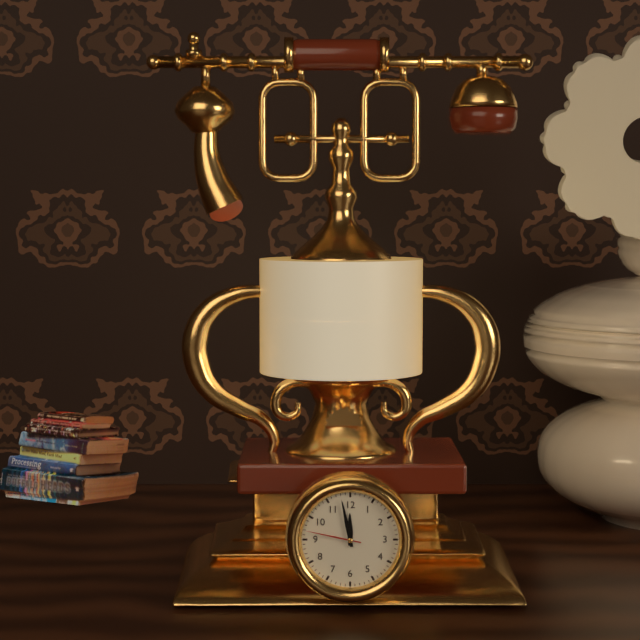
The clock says 11,58,47
